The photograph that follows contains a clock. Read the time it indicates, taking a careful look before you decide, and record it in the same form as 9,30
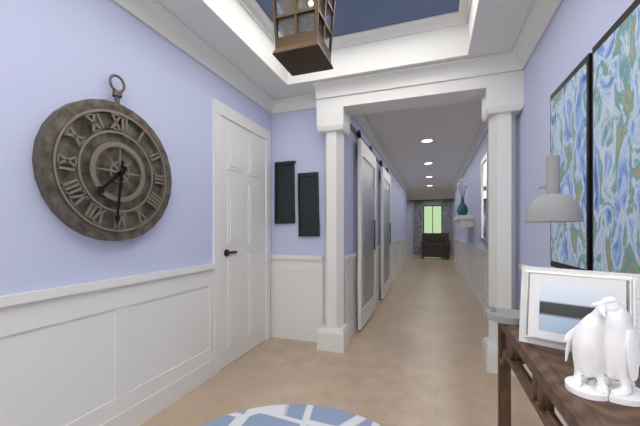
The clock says 7,31
